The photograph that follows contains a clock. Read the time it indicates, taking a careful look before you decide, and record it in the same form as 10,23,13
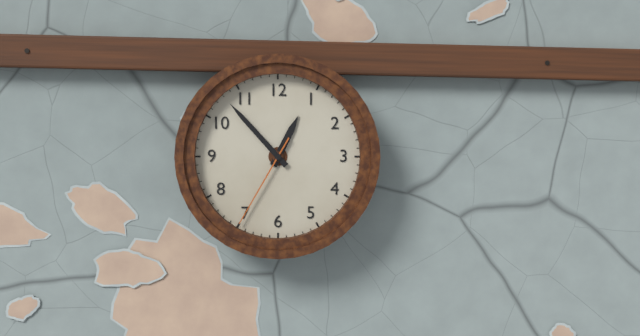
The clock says 12,53,35
